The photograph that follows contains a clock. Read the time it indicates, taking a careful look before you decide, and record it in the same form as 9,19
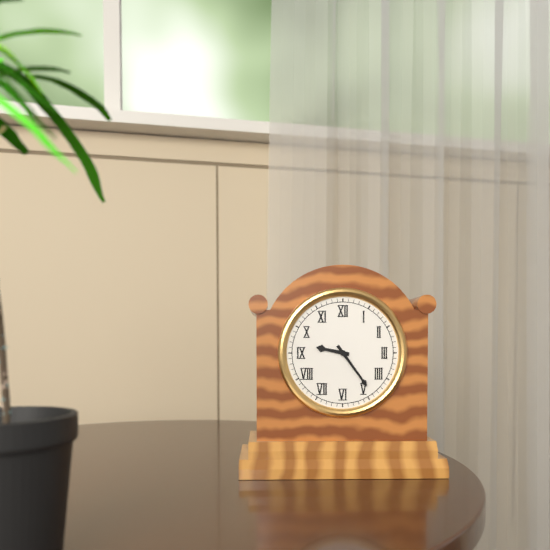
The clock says 9,24
